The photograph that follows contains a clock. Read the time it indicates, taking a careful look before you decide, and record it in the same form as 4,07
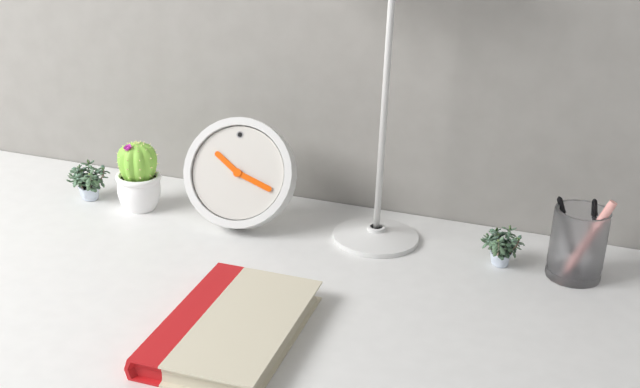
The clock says 10,19
